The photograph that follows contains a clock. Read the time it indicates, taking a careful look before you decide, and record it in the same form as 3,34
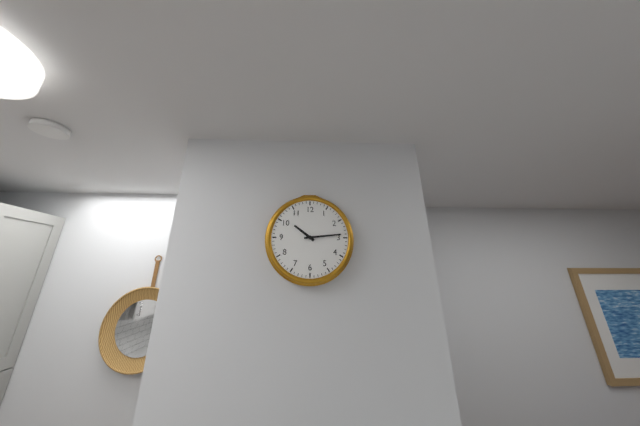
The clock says 10,14
